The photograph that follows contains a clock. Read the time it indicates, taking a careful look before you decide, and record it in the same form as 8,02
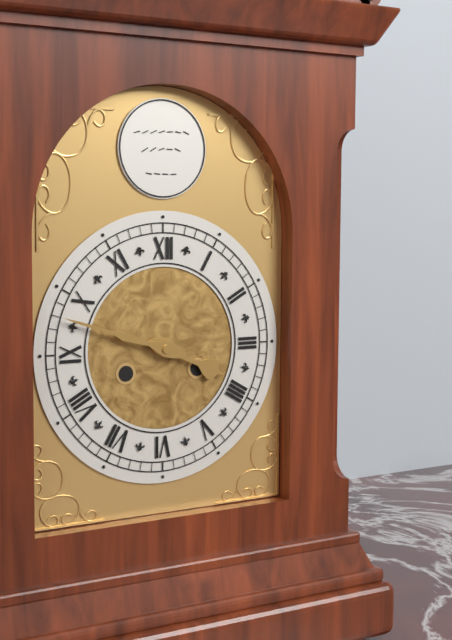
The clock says 3,48
